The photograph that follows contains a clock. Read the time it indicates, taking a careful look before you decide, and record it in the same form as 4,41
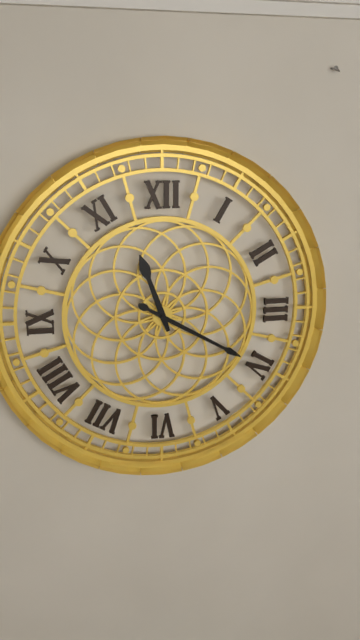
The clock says 11,20
